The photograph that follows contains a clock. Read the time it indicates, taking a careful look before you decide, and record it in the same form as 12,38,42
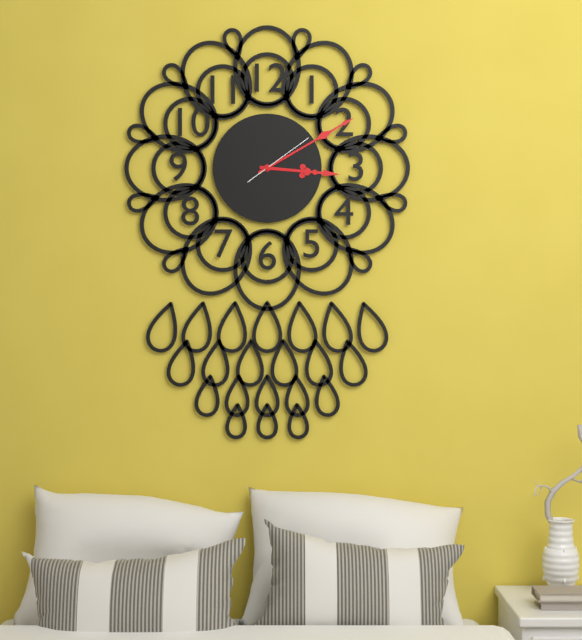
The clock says 3,10,09
